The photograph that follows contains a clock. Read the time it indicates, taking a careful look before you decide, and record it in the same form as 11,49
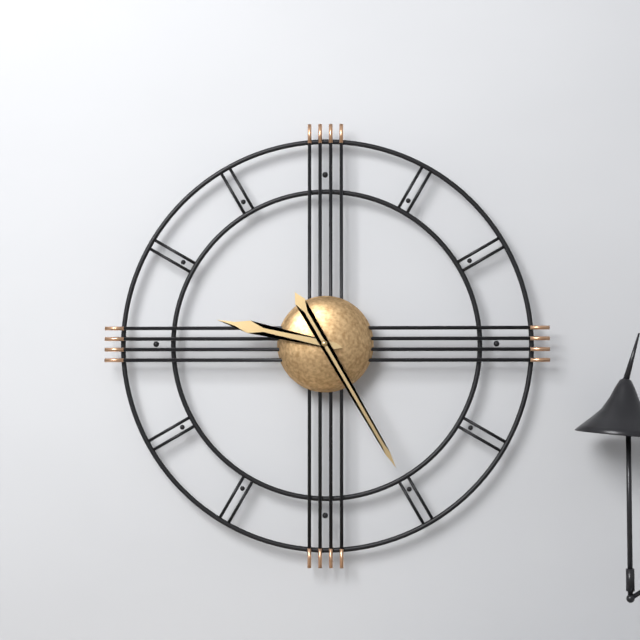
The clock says 9,25
